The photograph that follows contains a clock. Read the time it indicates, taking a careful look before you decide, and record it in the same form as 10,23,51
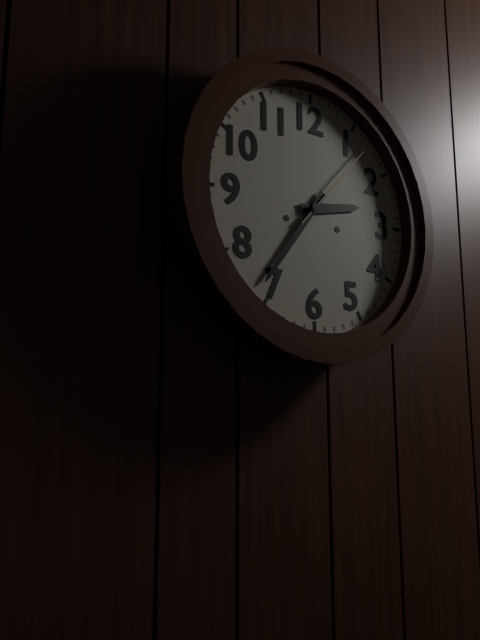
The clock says 2,36,07
